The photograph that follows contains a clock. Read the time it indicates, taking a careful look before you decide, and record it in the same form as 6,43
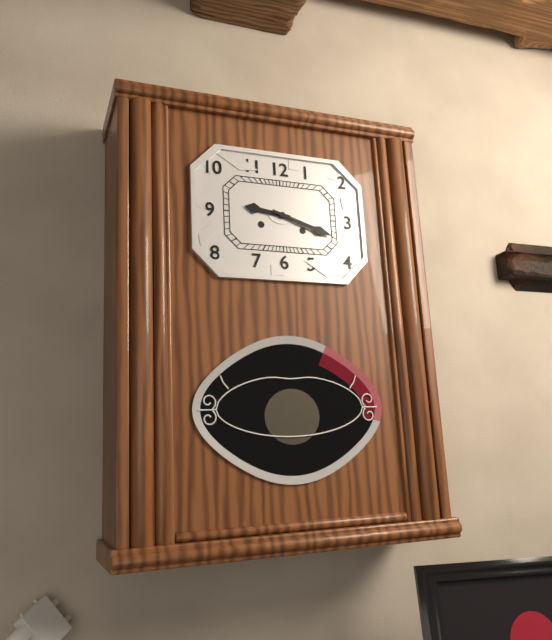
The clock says 9,18
